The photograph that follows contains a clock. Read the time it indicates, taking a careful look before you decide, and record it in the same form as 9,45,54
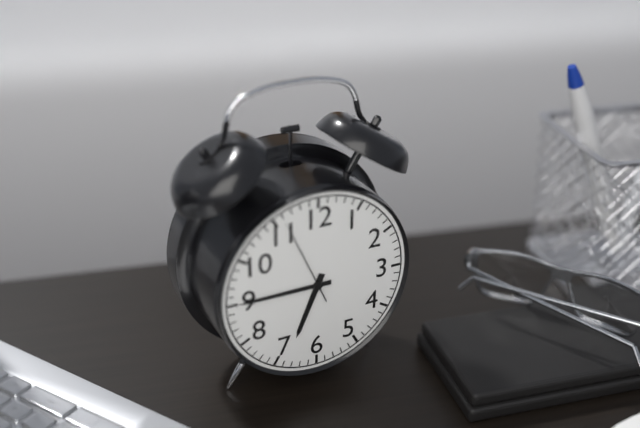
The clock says 6,45,56
